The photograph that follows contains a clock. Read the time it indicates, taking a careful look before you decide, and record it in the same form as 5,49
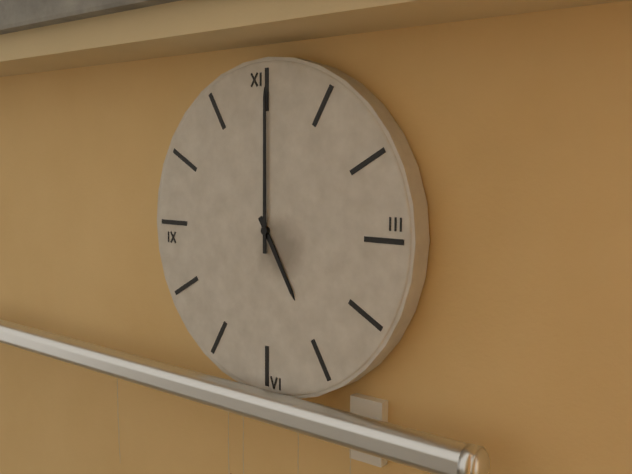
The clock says 5,00
